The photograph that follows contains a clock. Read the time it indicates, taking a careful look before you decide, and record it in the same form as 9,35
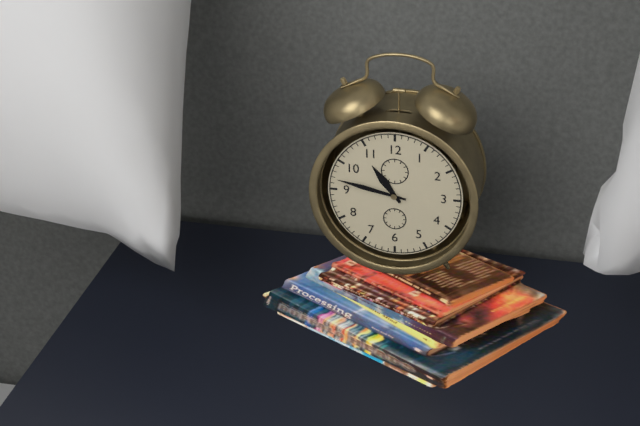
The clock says 10,47
